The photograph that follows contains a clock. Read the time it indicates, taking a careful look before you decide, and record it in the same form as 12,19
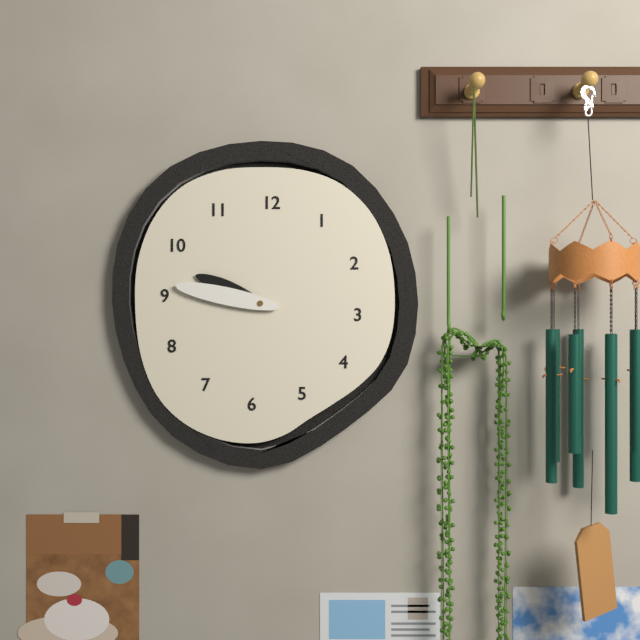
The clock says 9,47
